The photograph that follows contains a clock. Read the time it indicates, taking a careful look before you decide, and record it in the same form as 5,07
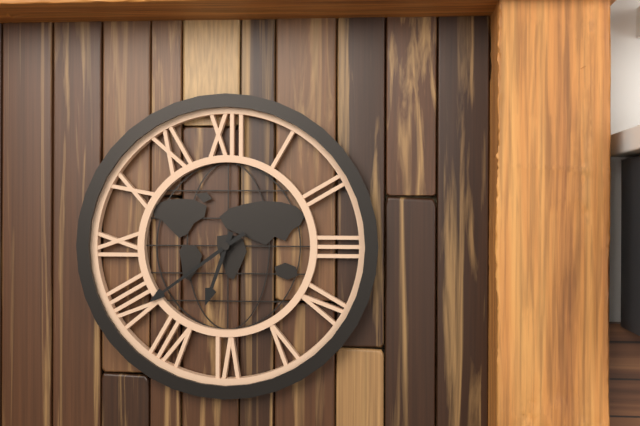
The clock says 6,39
